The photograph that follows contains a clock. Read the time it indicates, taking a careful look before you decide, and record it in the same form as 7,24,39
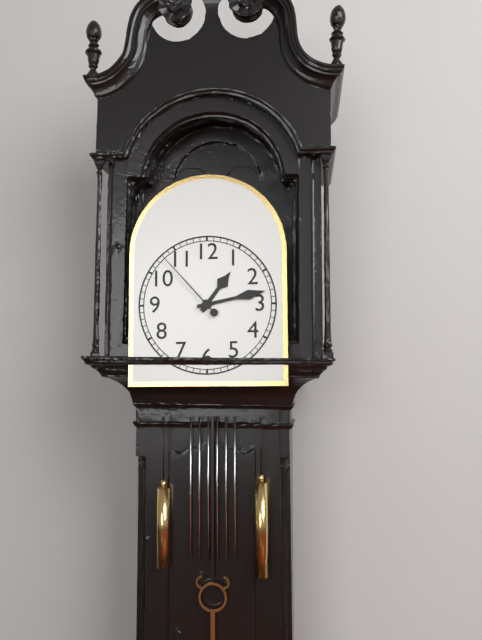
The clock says 1,13,53
